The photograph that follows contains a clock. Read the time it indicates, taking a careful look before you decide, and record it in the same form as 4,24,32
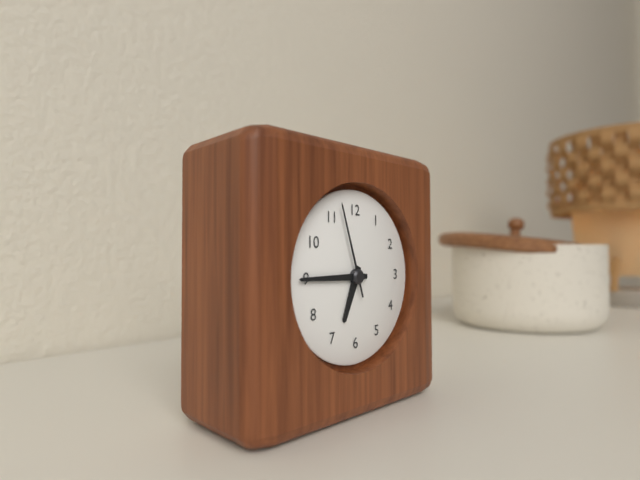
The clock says 6,45,57
